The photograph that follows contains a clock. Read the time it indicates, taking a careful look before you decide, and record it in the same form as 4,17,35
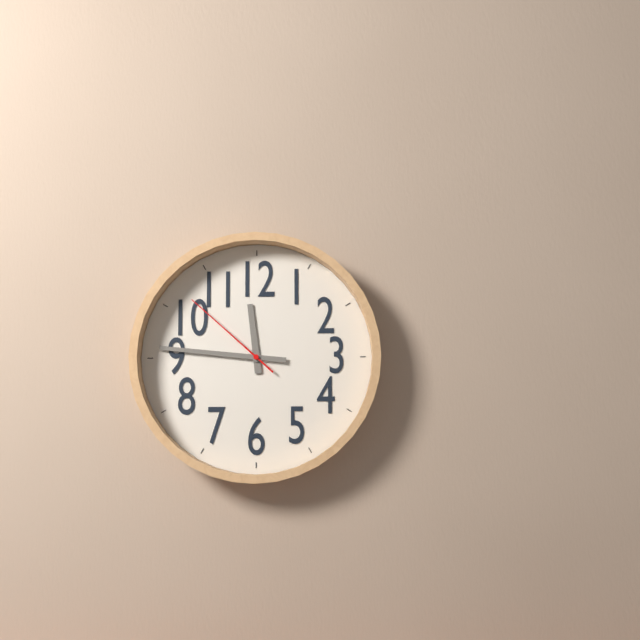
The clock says 11,46,52
